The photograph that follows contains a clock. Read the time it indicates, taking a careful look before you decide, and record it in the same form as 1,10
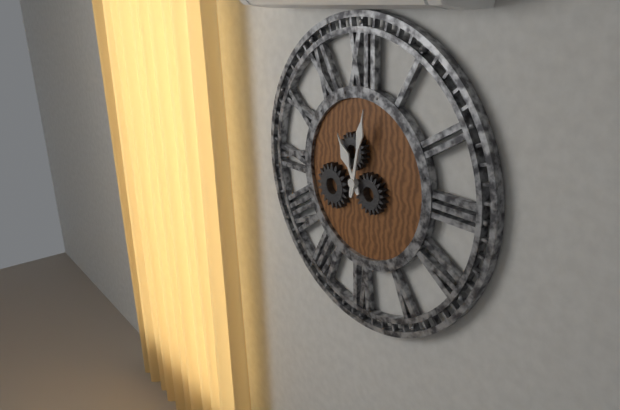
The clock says 11,02
